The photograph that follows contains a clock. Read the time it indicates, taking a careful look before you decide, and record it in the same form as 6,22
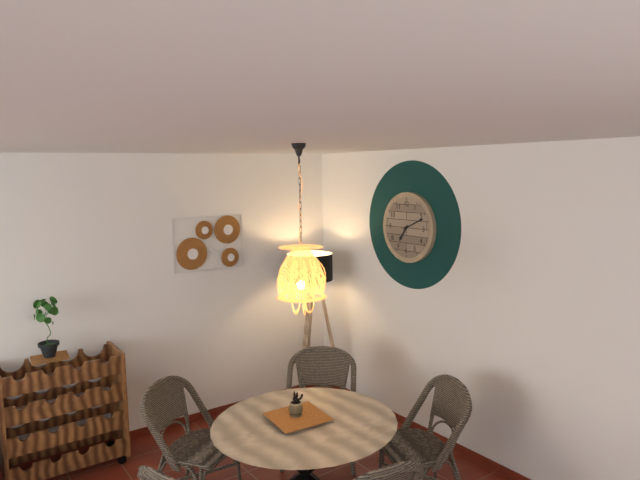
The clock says 7,11
